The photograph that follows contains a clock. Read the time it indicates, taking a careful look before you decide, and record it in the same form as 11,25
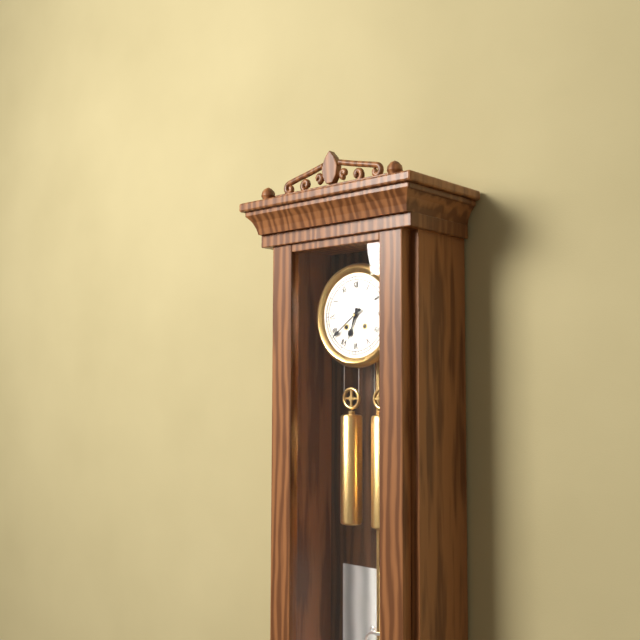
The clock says 6,39
